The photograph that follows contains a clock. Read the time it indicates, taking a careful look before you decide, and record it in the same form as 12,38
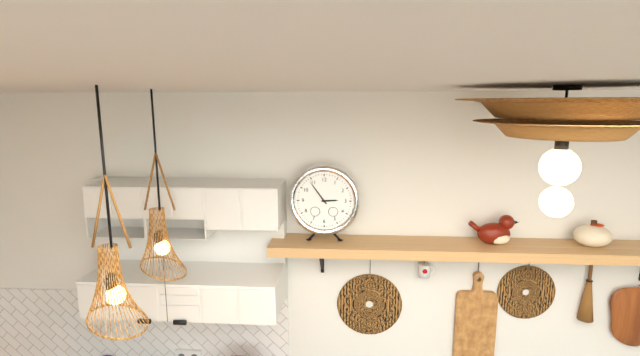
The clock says 2,54
